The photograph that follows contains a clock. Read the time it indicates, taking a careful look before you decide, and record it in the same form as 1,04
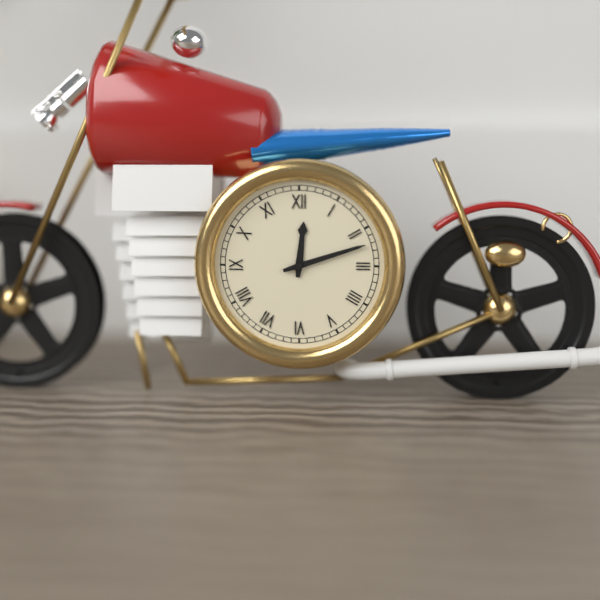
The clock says 12,12
